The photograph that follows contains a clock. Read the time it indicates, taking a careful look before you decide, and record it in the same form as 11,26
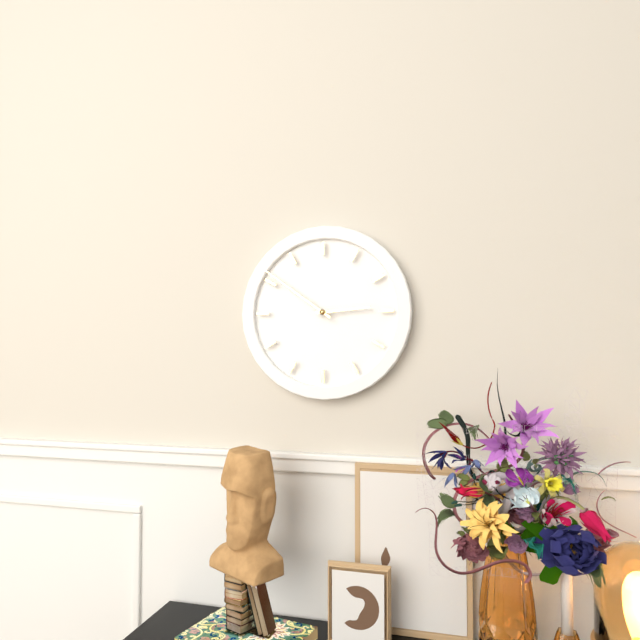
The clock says 2,51
